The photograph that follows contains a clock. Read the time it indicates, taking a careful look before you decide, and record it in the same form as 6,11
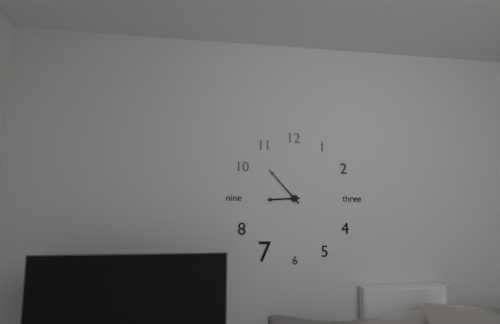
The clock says 8,53
